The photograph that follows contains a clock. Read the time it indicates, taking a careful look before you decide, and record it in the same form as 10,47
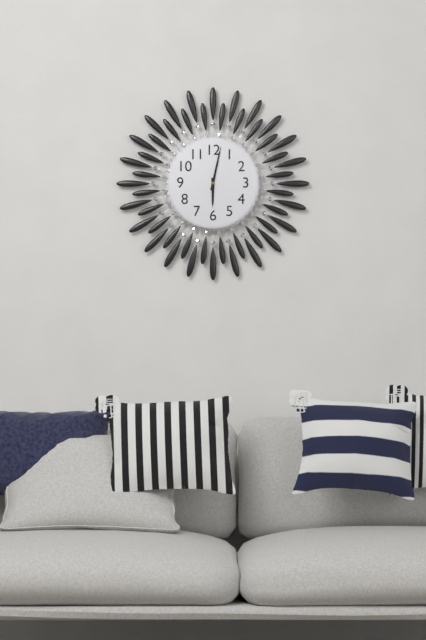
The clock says 6,02
